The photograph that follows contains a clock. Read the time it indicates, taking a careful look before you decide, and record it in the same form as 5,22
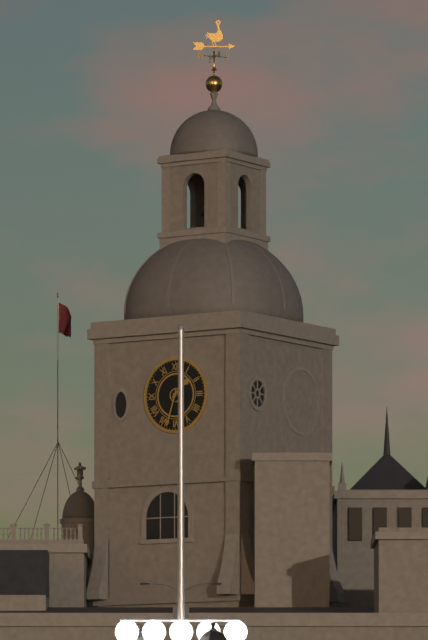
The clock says 1,33
